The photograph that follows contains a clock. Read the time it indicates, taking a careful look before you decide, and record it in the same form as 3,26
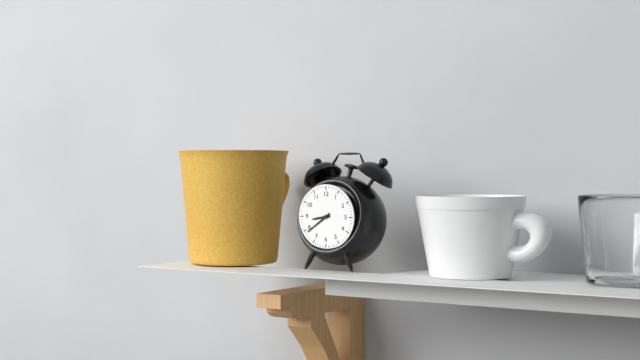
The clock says 8,39
